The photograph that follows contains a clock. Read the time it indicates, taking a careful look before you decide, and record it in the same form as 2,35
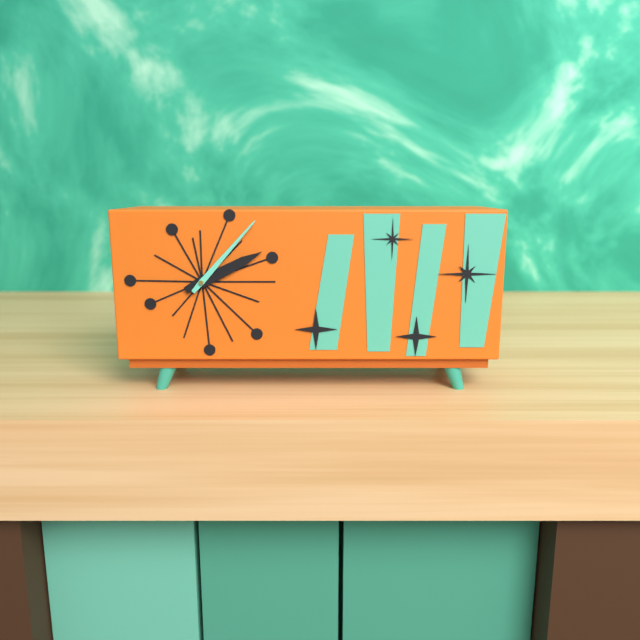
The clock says 2,07
